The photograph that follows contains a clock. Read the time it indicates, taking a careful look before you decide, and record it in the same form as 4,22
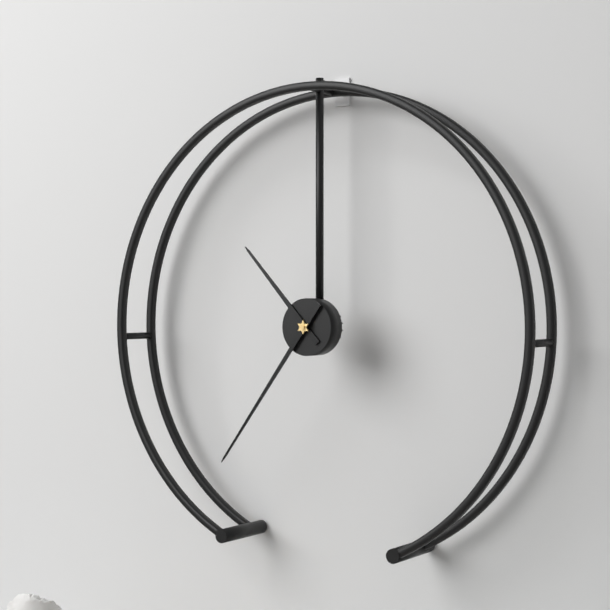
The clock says 10,36
